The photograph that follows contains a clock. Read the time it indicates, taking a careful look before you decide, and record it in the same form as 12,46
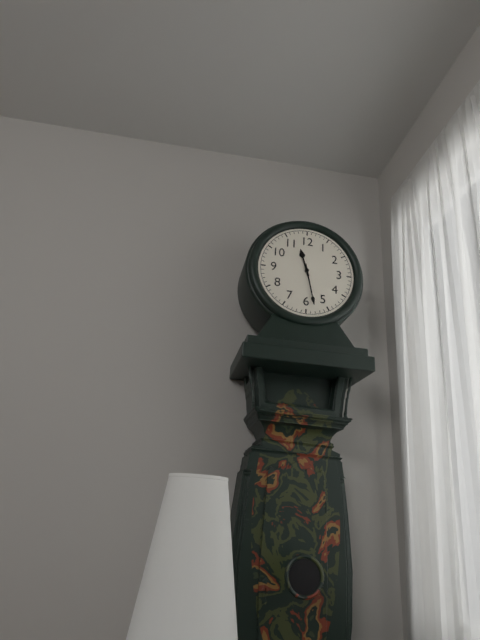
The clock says 11,28
